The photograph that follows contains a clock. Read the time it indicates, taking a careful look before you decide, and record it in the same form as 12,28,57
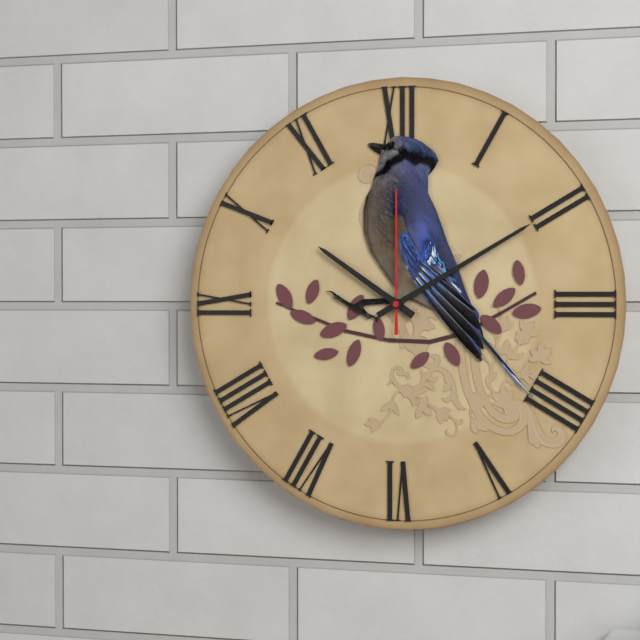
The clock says 10,10,00
